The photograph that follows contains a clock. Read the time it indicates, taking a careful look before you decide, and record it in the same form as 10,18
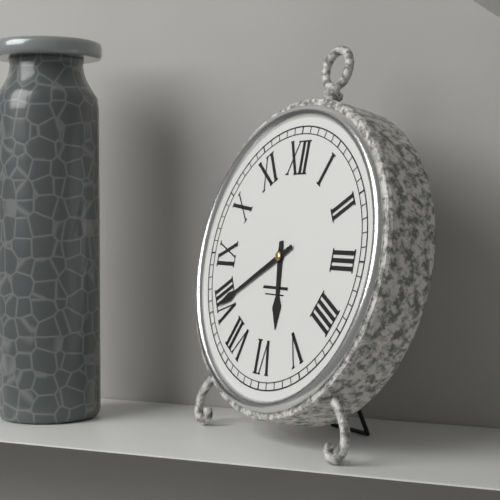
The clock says 5,40
